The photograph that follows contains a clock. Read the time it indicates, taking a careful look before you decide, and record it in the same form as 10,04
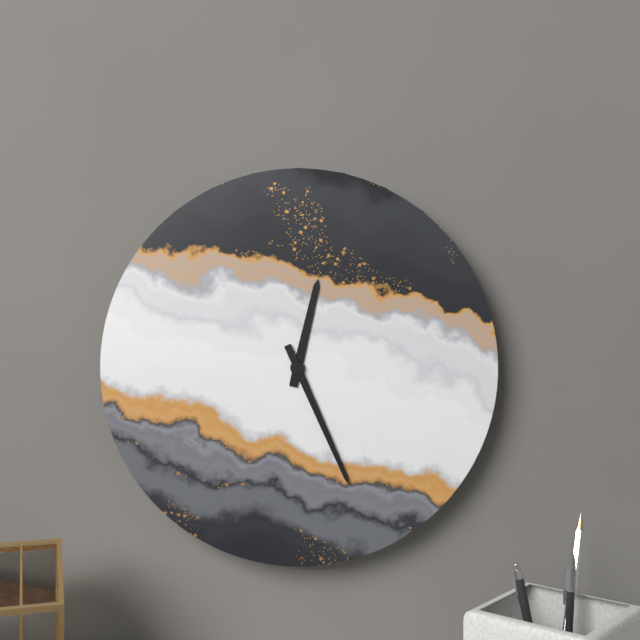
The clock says 12,26
